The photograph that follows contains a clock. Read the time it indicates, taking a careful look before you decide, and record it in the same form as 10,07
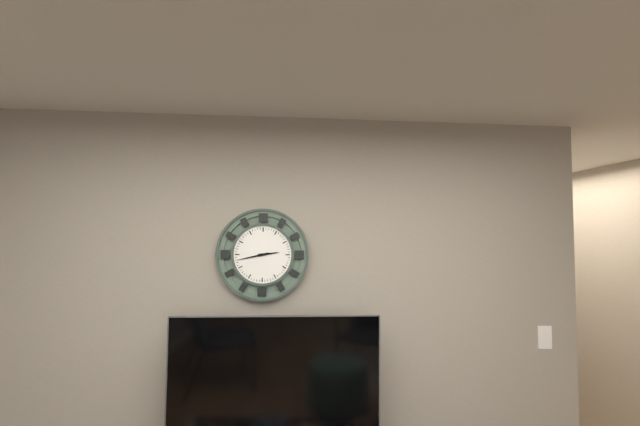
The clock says 2,43
